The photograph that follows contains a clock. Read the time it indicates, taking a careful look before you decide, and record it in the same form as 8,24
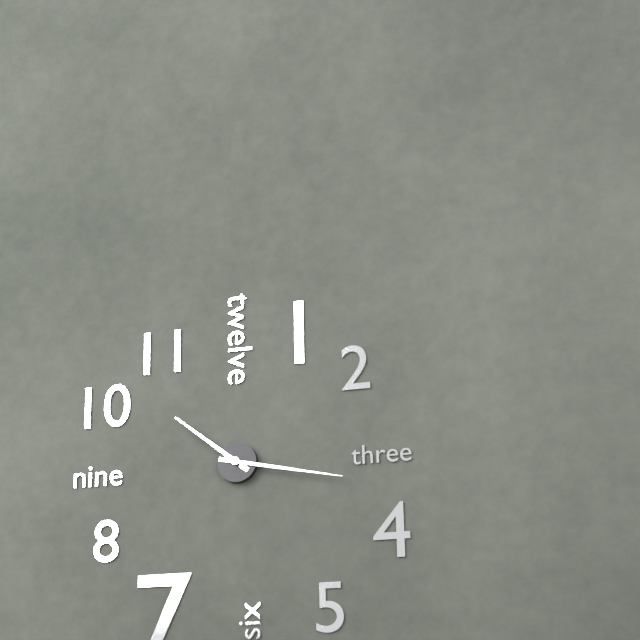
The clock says 10,17
